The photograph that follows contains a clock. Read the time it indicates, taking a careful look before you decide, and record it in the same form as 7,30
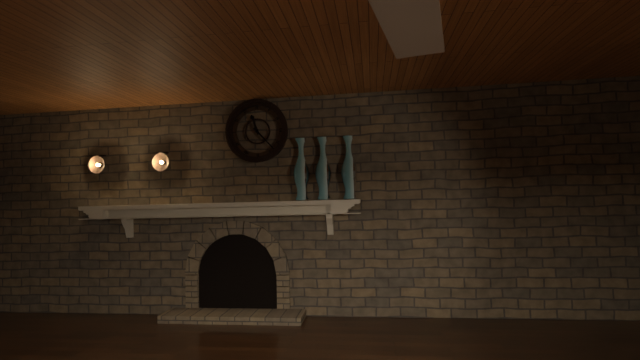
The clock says 11,23
